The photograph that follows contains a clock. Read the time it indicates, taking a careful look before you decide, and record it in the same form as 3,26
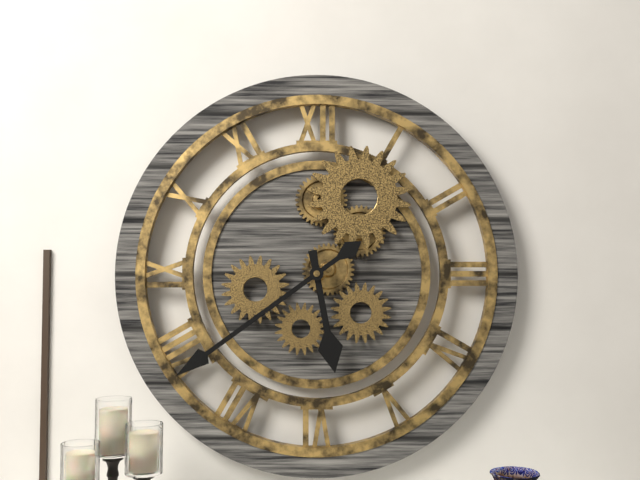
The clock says 5,39
